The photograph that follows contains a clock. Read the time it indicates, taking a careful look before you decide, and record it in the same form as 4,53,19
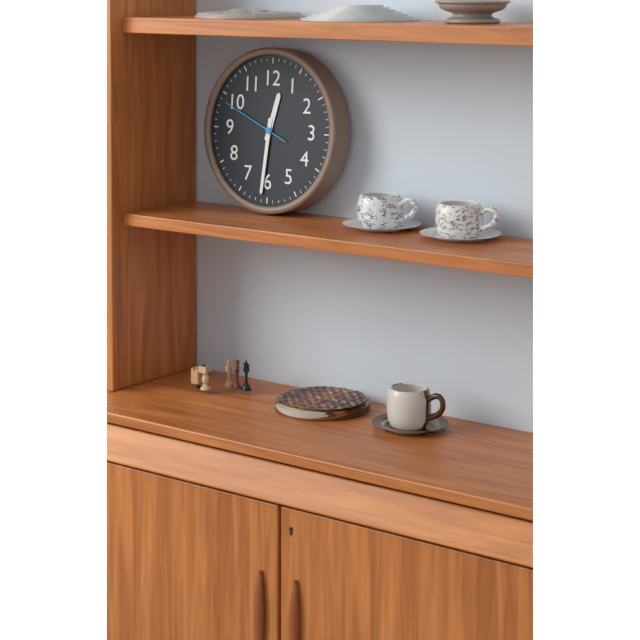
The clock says 12,31,49
